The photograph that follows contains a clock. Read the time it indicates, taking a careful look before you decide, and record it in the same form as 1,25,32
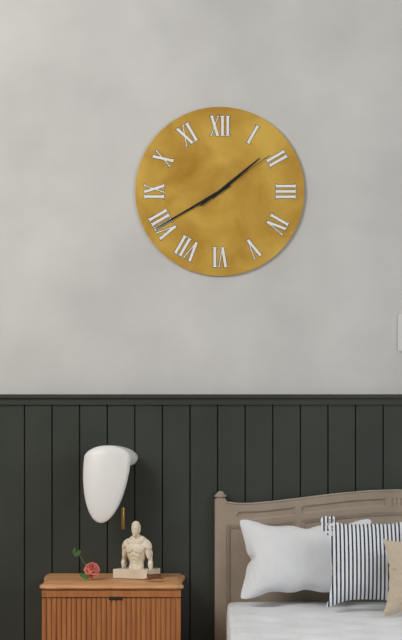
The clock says 1,40,09
